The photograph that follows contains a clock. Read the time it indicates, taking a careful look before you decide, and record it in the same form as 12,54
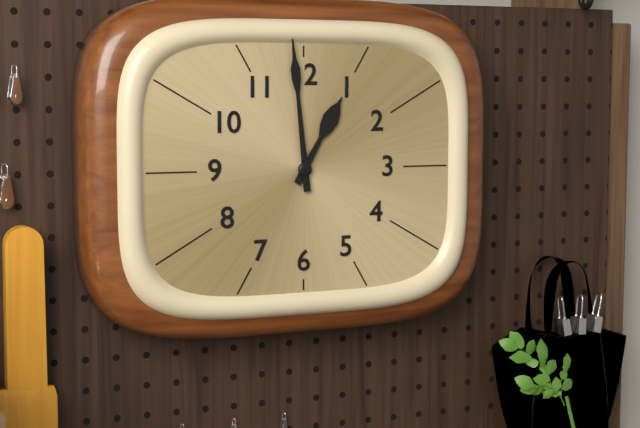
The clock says 12,59
